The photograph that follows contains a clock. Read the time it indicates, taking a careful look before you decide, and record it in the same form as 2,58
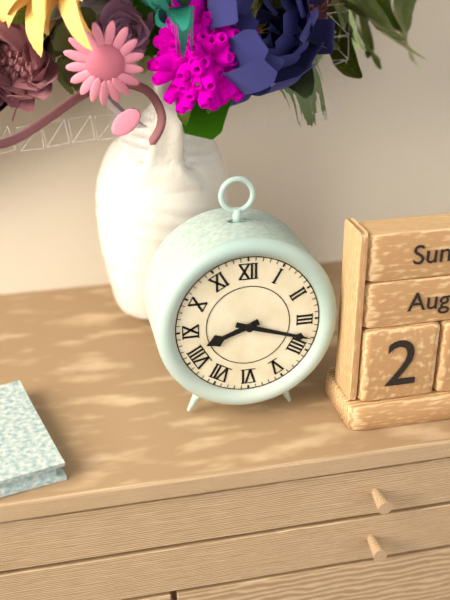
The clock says 8,18
